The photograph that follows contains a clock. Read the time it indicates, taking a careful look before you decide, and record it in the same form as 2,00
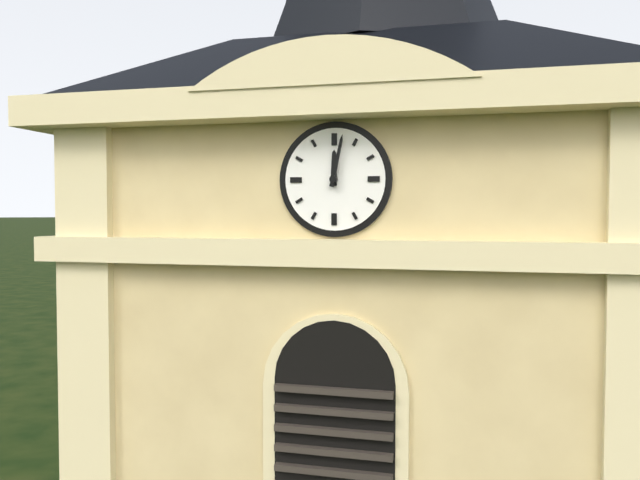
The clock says 12,02
